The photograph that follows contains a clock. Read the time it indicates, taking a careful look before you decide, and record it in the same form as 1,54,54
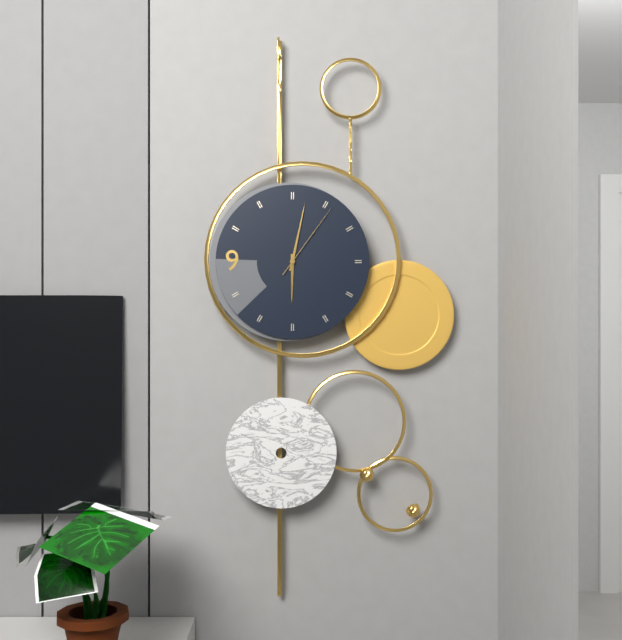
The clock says 6,02,06
